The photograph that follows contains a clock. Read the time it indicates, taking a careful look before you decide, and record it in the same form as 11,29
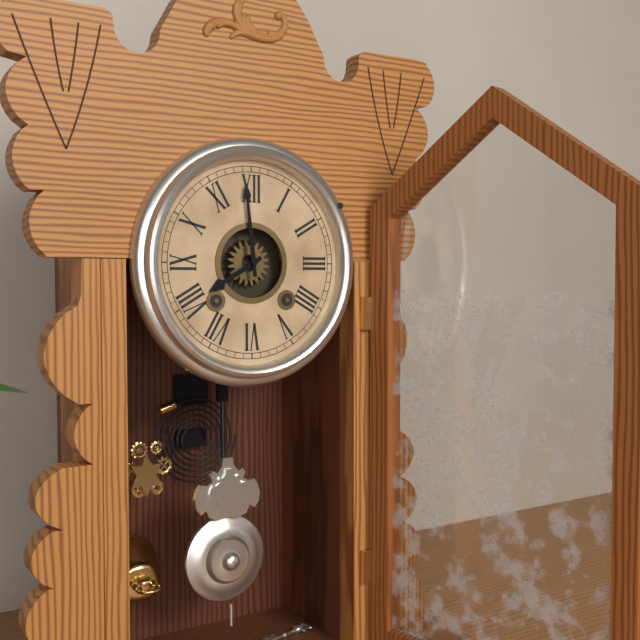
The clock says 7,59
